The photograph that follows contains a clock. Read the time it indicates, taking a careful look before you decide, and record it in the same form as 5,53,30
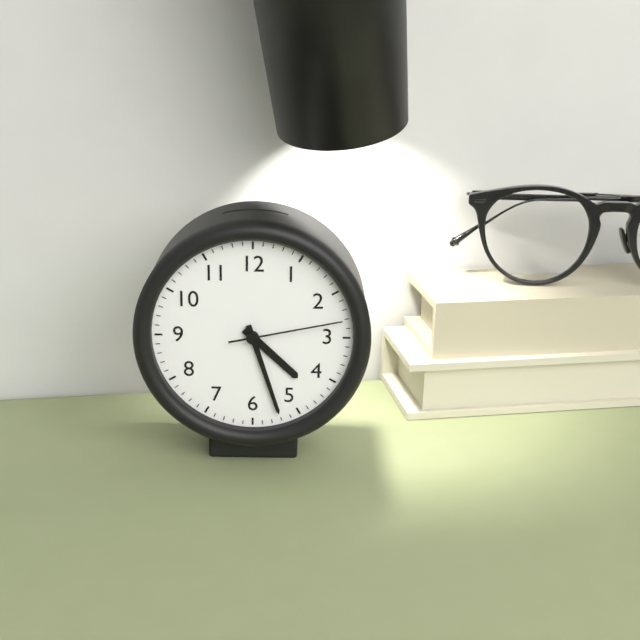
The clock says 4,27,13
